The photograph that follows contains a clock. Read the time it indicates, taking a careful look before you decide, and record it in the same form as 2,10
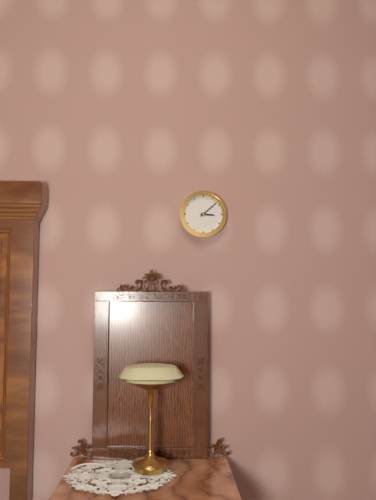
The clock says 3,08
